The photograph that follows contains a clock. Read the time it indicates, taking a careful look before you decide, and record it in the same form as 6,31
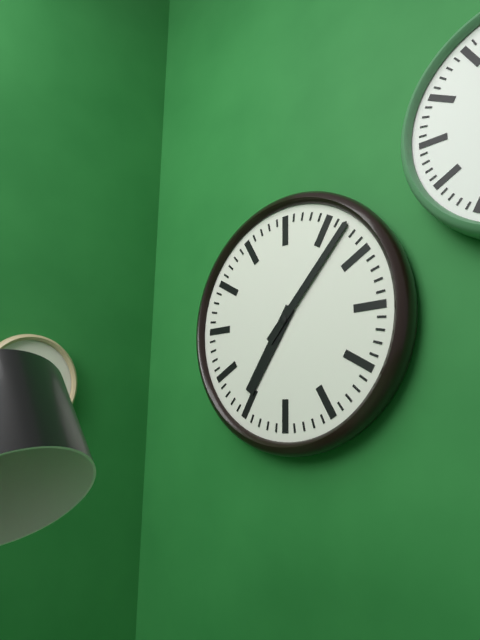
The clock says 7,07
